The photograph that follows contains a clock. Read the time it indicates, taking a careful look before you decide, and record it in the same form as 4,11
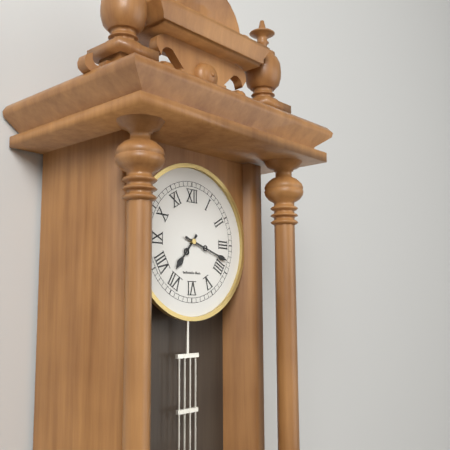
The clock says 7,18
